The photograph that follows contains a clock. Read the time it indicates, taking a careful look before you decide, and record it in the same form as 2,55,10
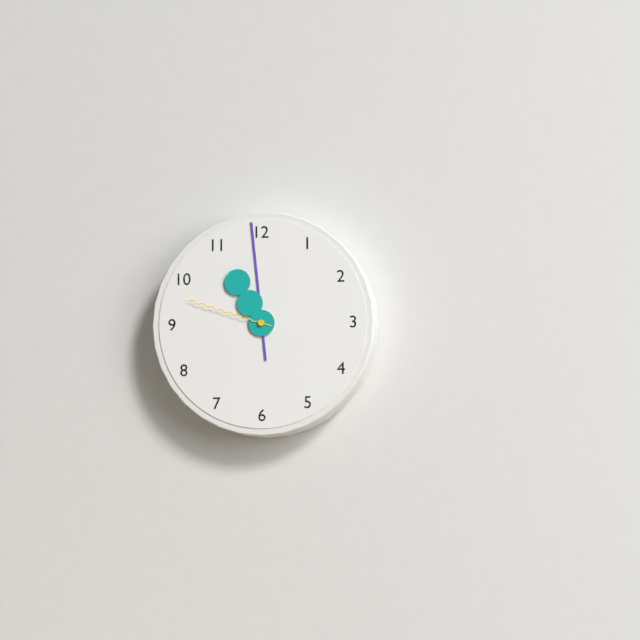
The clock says 10,59,48
